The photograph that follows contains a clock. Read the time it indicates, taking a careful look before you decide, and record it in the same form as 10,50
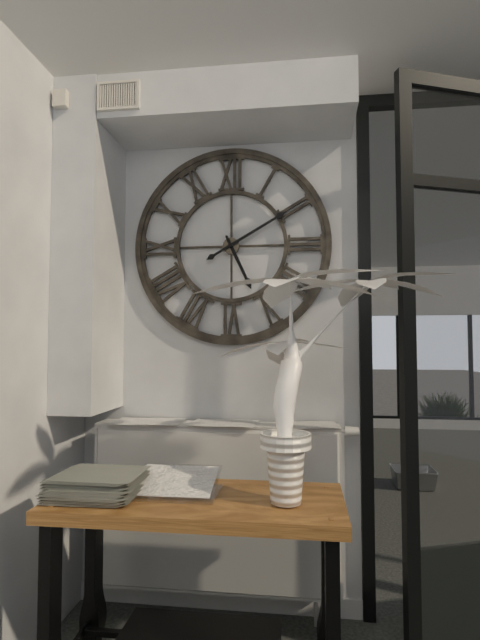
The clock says 5,10
